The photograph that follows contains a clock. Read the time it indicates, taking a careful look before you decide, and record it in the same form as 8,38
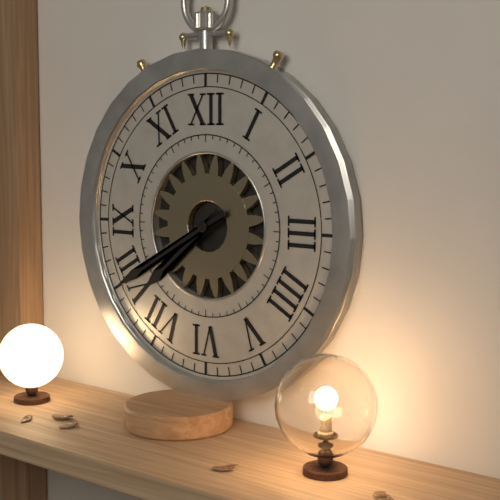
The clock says 7,40
